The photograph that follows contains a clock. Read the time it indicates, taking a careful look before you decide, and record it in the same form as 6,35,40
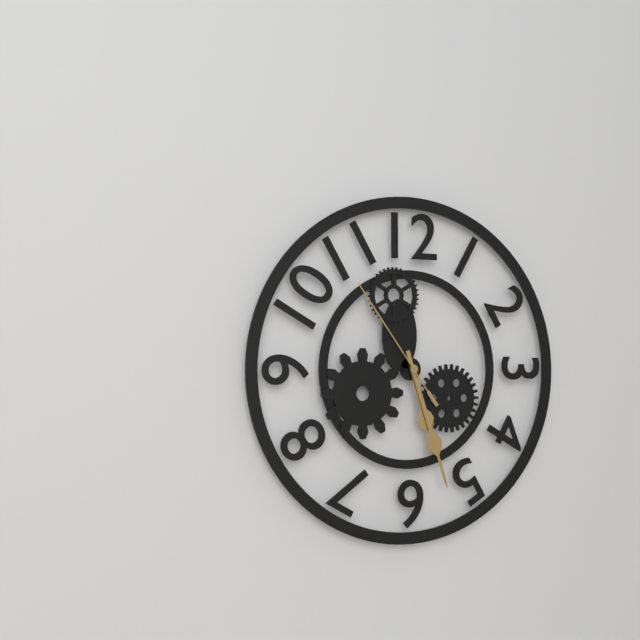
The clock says 5,27,54
